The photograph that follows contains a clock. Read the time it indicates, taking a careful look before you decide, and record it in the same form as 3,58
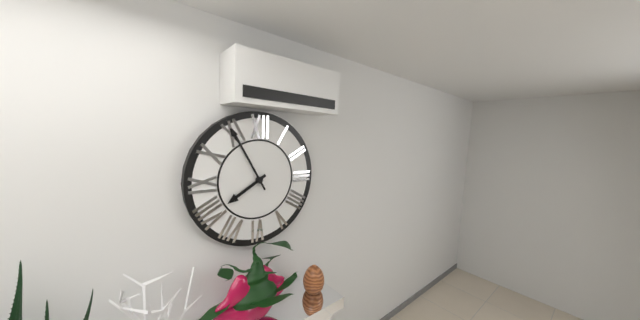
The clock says 7,55
